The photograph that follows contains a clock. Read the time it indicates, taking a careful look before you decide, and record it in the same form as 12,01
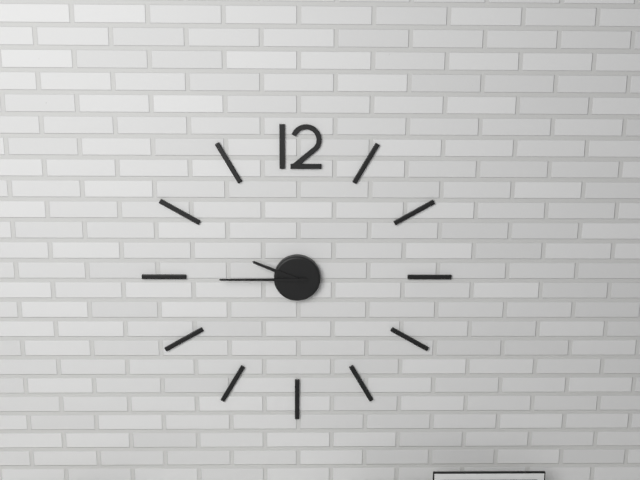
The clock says 9,45
